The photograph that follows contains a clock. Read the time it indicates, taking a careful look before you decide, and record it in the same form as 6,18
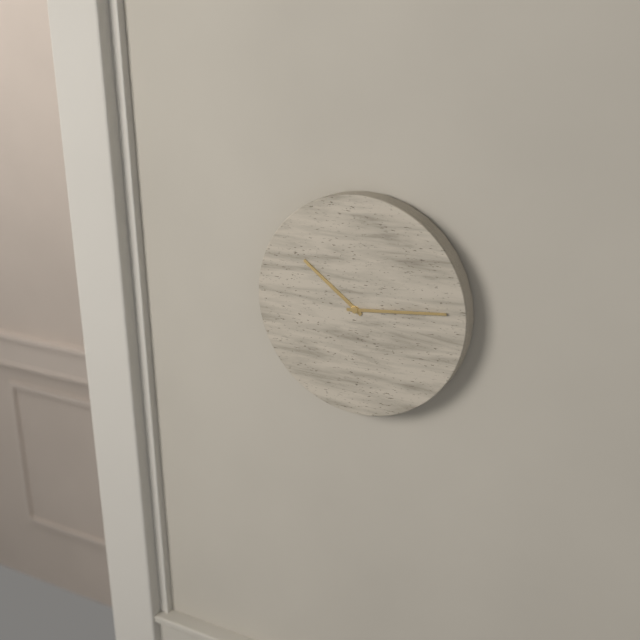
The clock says 10,14
